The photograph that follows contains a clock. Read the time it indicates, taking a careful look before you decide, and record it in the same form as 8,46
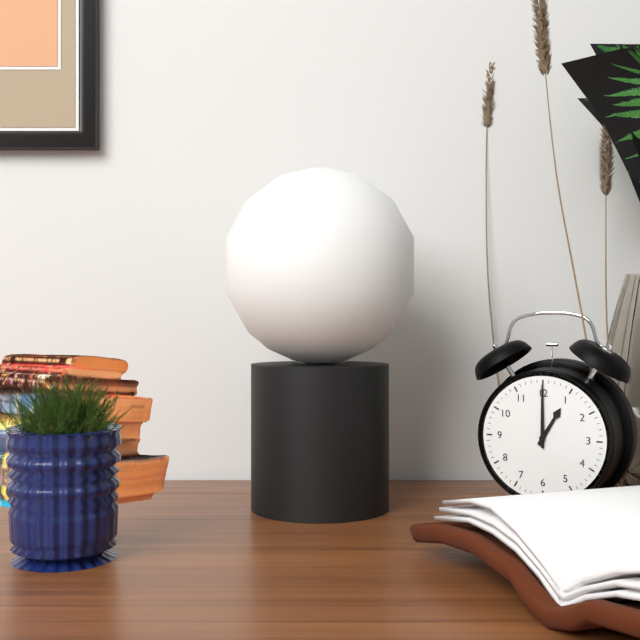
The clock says 1,00
